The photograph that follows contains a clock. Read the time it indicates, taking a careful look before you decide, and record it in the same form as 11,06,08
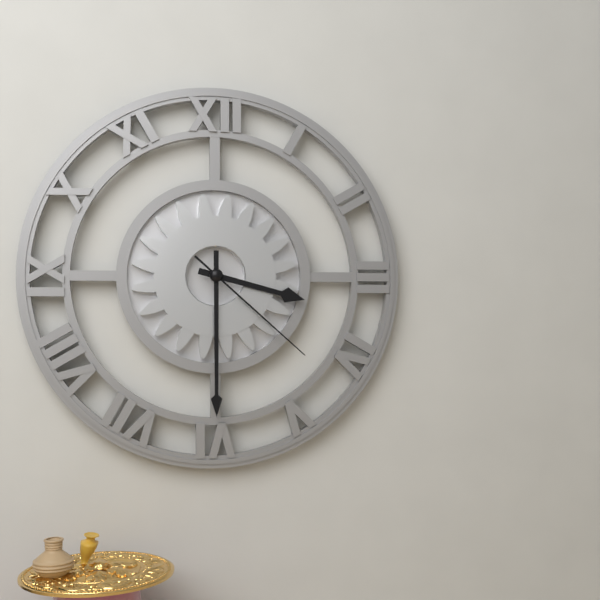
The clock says 3,30,22
